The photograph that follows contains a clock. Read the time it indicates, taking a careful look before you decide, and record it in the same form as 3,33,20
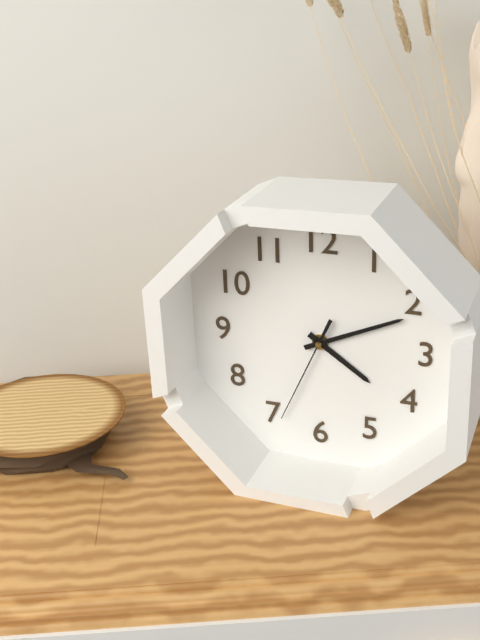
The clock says 4,11,34
